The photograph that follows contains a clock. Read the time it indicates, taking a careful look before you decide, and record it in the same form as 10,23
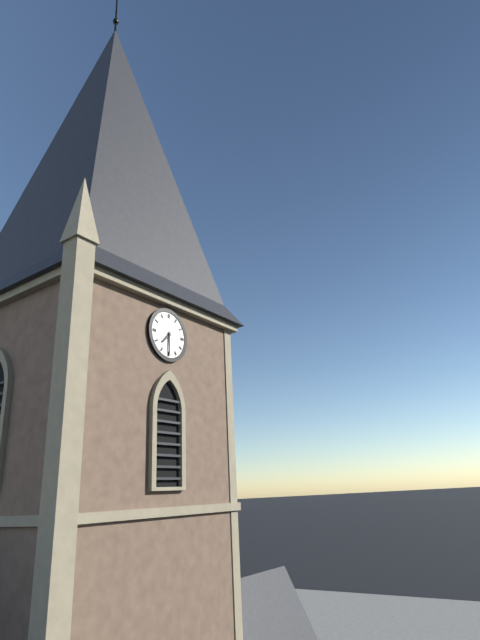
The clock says 7,30
